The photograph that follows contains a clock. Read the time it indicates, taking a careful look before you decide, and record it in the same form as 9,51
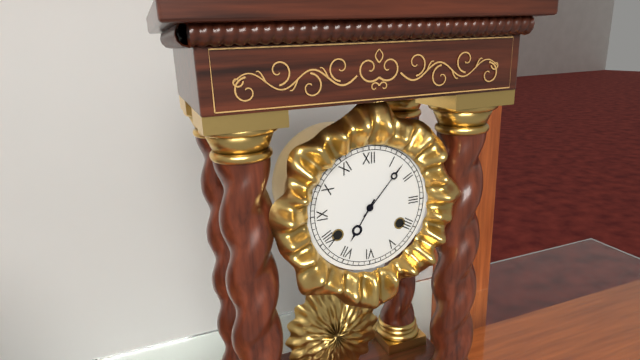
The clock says 7,07
